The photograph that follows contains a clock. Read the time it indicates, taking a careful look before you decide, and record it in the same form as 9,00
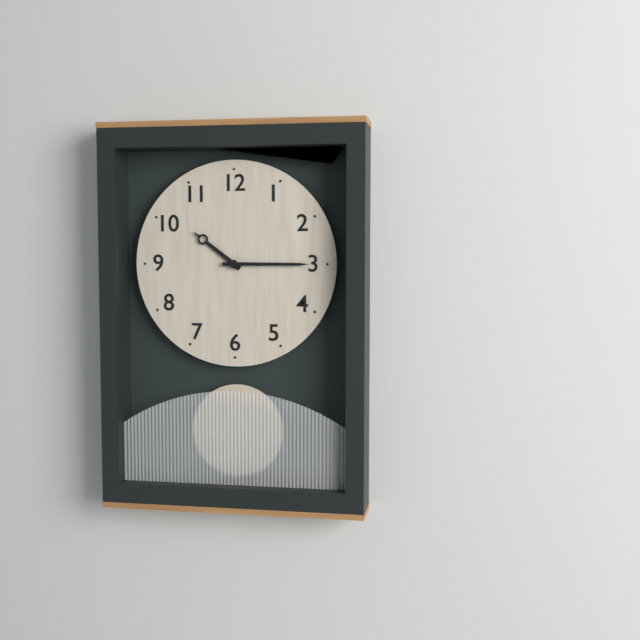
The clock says 10,15
